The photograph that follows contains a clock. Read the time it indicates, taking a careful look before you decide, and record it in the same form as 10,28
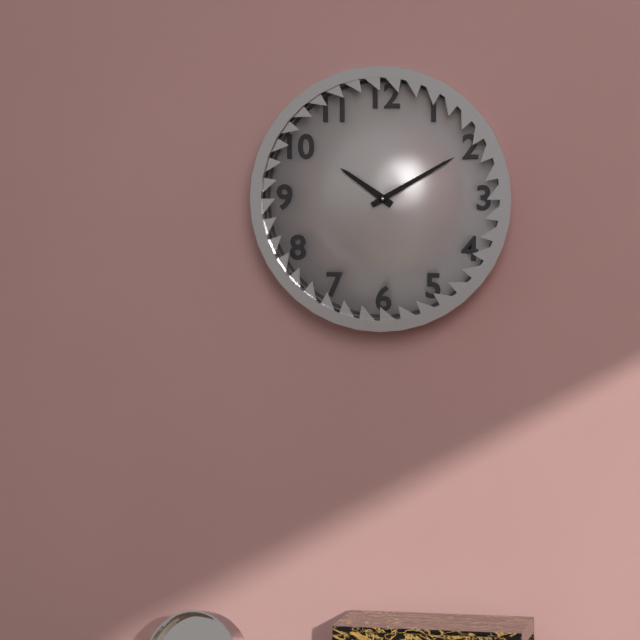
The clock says 10,10
